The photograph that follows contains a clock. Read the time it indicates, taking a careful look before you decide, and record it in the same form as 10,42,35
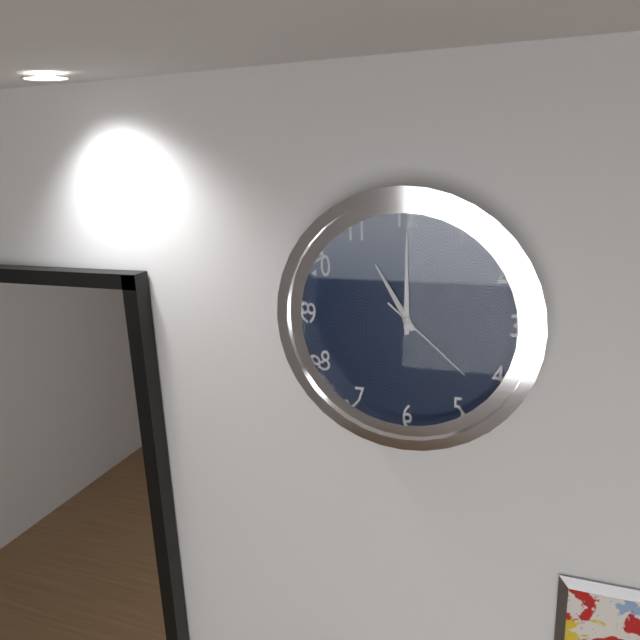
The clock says 11,00,22
